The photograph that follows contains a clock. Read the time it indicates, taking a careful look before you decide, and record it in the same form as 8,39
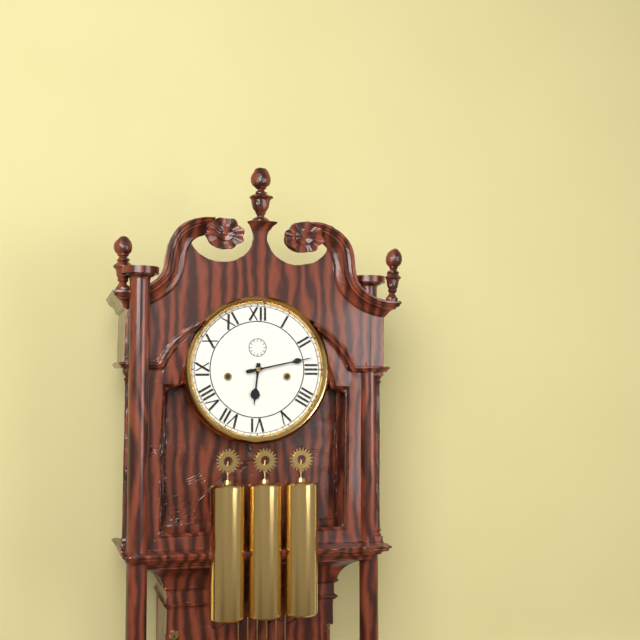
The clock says 6,13
